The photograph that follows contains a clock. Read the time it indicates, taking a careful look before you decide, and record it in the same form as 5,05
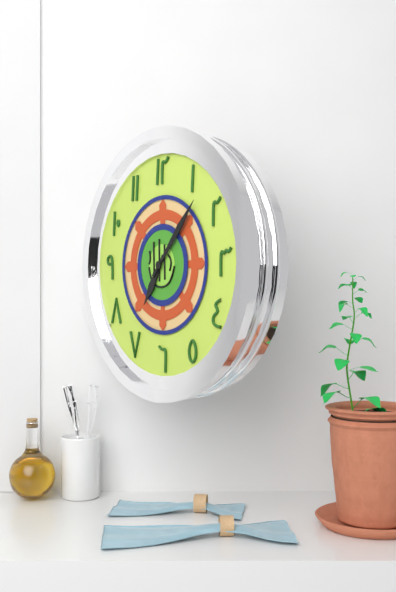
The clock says 7,07
